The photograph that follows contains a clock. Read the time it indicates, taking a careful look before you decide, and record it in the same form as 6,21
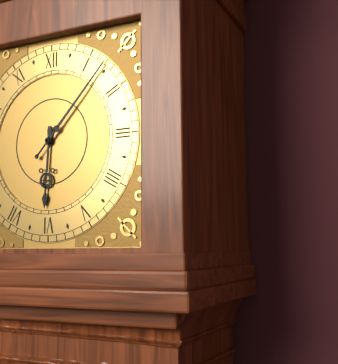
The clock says 6,07
